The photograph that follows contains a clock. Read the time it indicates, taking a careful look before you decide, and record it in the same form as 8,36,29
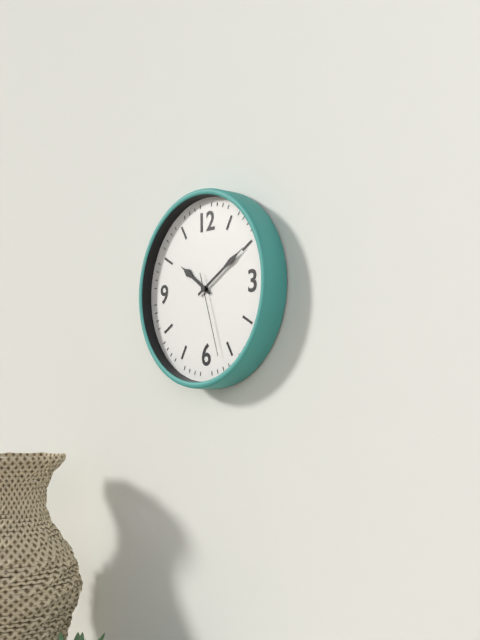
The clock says 10,10,27
